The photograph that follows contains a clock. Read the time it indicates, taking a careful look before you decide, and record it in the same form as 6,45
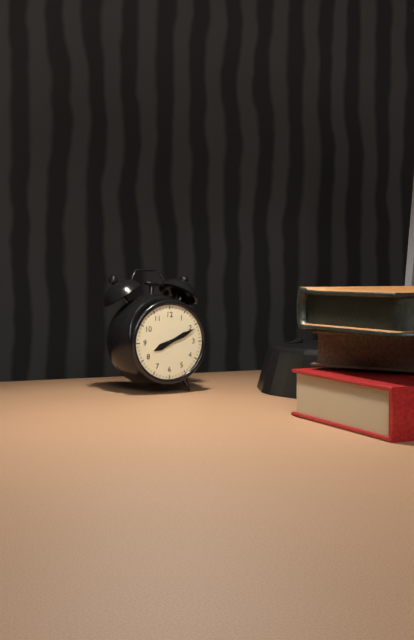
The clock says 8,11
